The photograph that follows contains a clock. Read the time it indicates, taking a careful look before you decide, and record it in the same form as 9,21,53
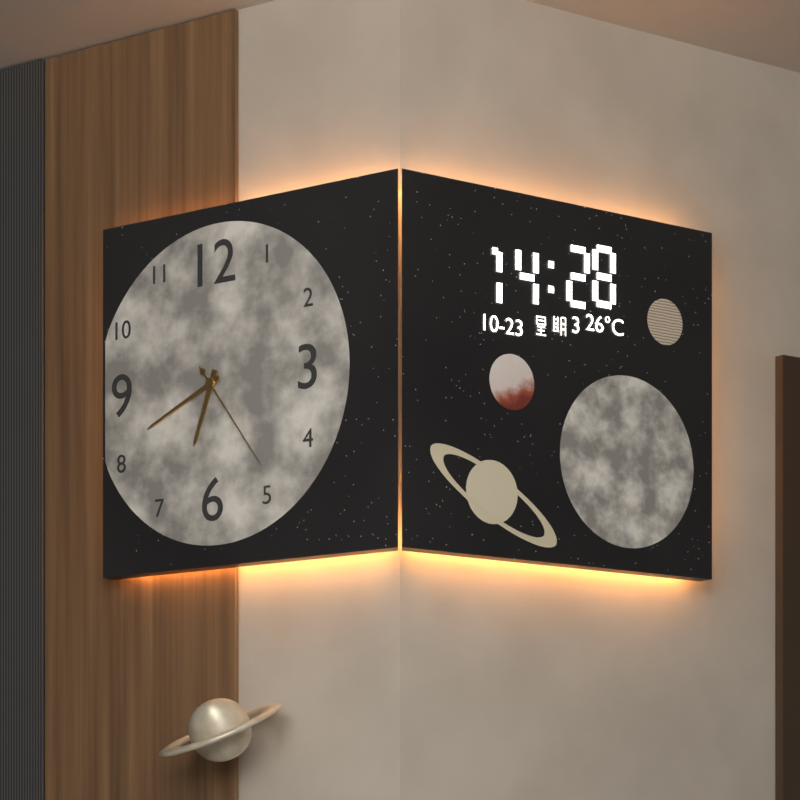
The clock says 6,41,24
